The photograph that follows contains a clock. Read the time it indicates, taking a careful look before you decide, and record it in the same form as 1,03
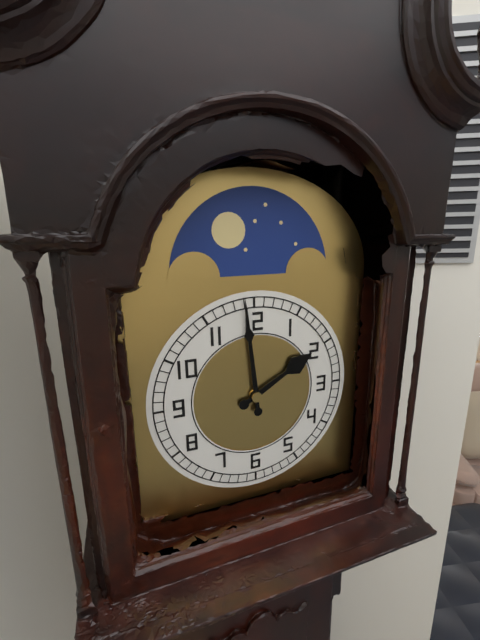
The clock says 1,59
